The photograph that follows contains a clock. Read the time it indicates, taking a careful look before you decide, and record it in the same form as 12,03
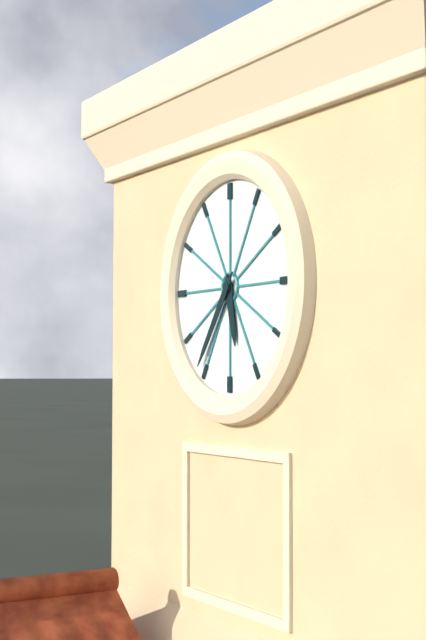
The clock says 5,36
